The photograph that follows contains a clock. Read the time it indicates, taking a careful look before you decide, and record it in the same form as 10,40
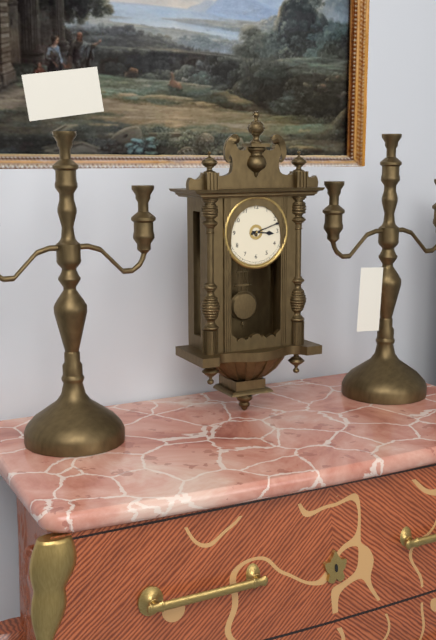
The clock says 3,12
